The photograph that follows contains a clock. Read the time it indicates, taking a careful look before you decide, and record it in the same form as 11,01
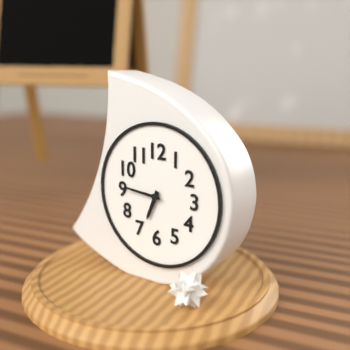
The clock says 6,46
